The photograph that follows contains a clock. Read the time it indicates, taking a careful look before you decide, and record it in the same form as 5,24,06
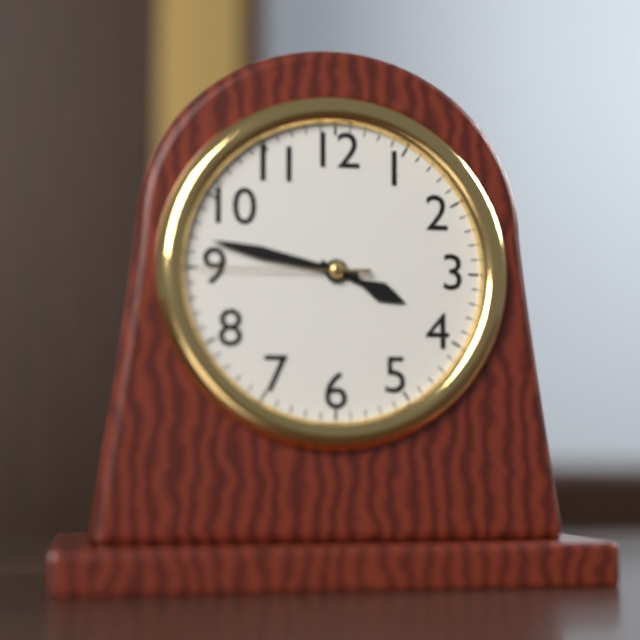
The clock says 3,47,45
